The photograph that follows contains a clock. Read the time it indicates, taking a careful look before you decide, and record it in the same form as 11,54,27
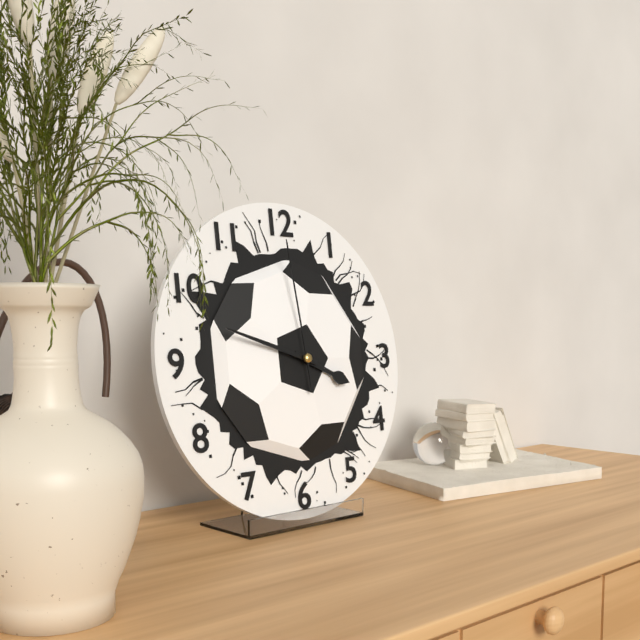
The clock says 3,48,59
